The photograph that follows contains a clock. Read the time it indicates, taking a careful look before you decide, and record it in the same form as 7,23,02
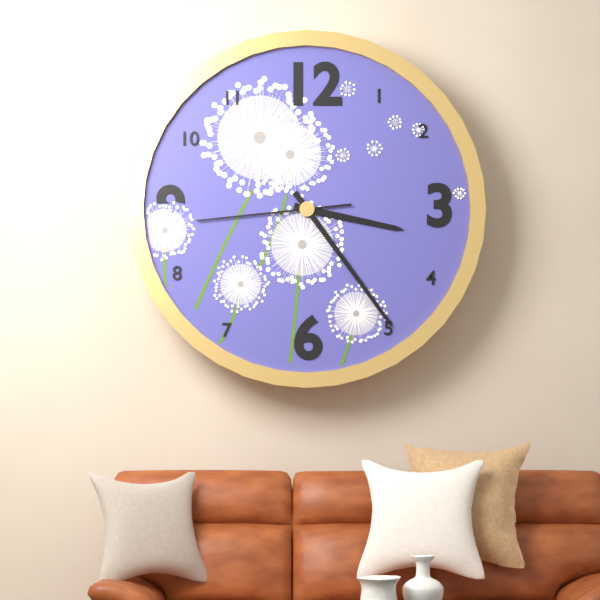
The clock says 3,24,44
